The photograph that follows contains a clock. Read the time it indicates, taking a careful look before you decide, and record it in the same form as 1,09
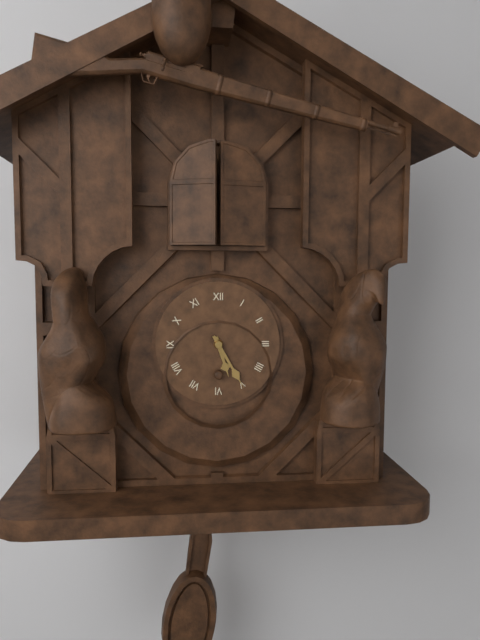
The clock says 5,25
